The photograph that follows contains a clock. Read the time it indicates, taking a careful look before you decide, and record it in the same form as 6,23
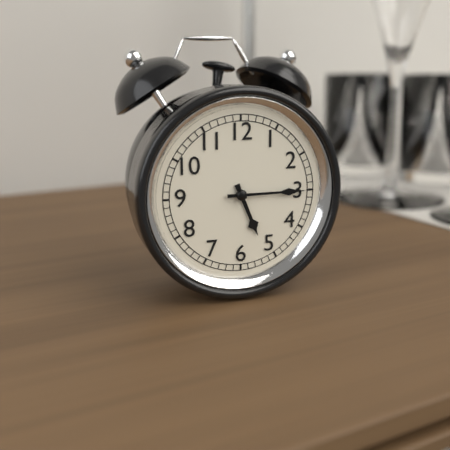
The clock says 5,15
